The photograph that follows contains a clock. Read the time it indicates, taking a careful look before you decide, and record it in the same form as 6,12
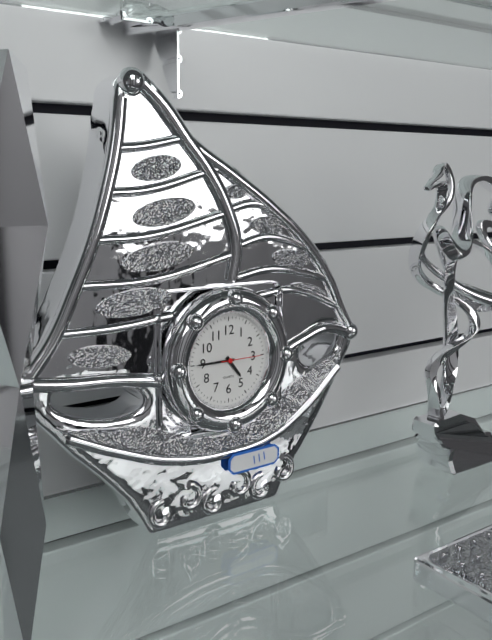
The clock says 4,45
